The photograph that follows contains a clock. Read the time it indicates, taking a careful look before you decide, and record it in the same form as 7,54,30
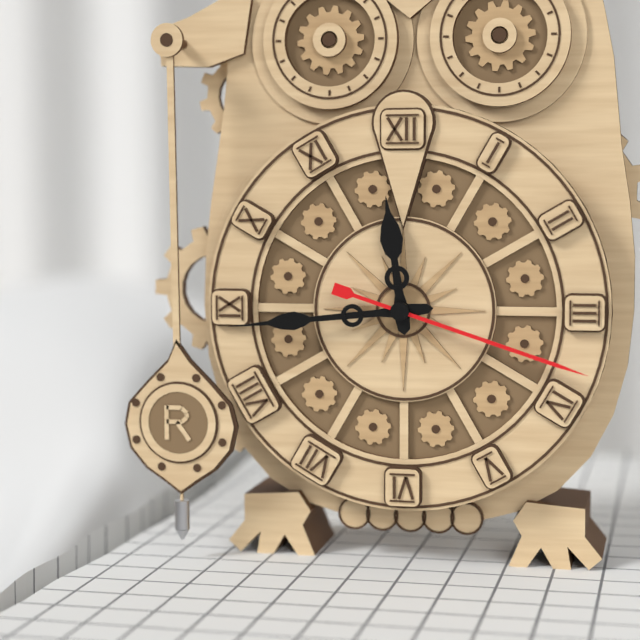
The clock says 11,44,18
